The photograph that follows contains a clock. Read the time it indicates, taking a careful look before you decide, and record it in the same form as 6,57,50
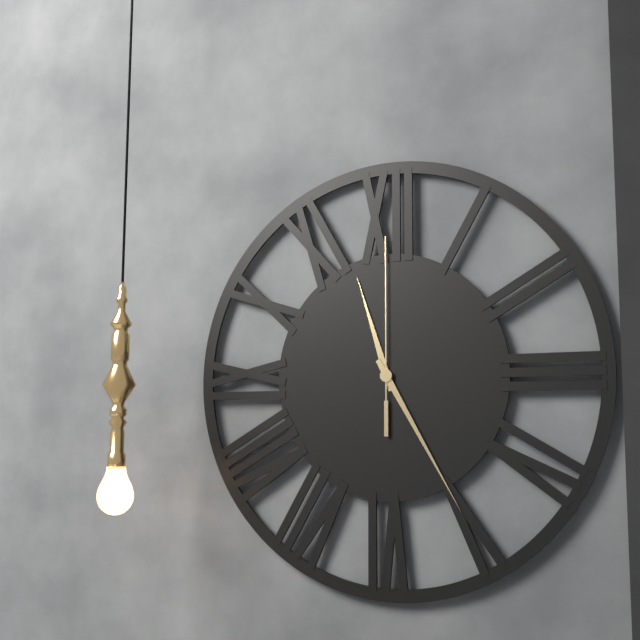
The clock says 11,25,00
